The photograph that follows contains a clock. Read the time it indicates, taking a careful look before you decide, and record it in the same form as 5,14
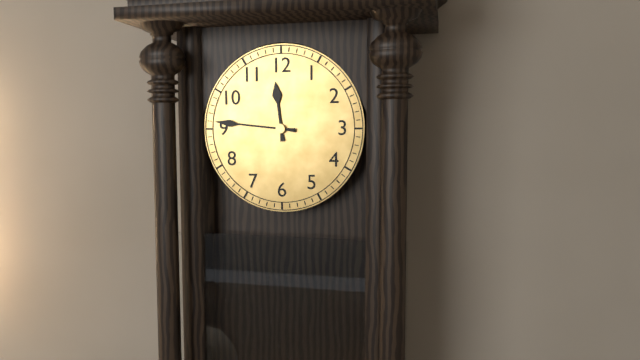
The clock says 11,46
